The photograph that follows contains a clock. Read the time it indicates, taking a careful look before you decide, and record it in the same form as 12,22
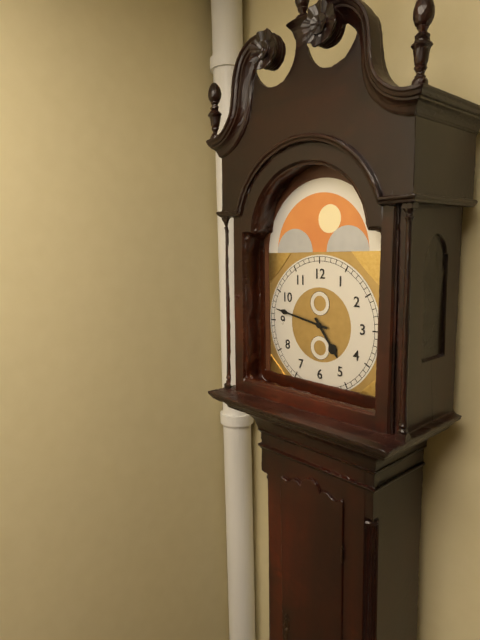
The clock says 4,47
